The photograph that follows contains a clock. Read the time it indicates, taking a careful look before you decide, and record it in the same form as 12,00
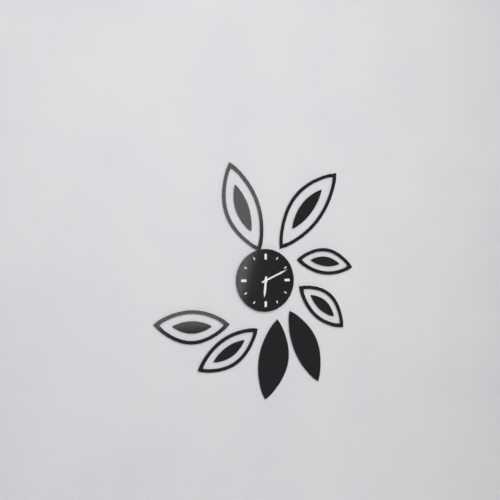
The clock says 6,11
